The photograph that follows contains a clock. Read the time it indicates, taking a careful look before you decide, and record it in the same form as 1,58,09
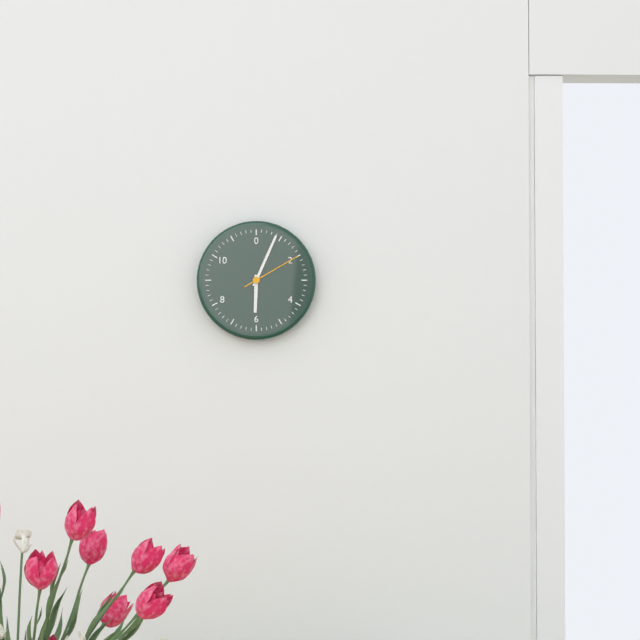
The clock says 6,04,10
